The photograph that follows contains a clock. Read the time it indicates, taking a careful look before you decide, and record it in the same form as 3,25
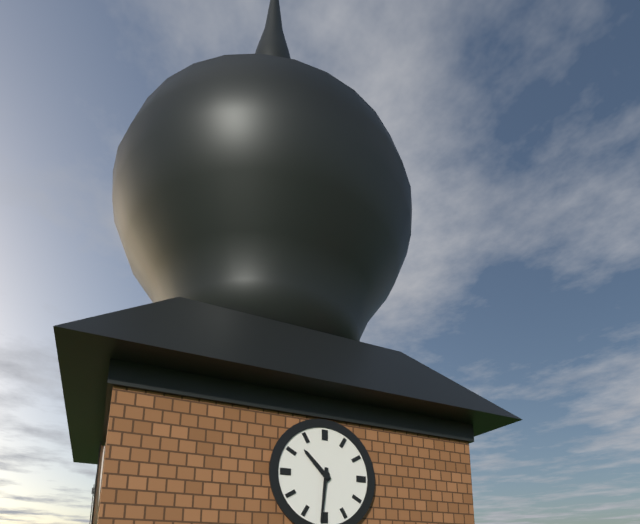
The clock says 10,31
